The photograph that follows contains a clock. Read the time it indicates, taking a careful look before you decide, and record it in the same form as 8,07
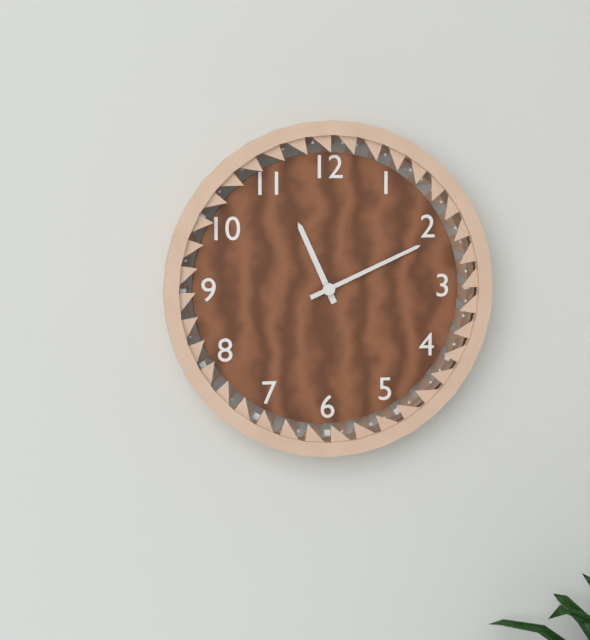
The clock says 11,11
